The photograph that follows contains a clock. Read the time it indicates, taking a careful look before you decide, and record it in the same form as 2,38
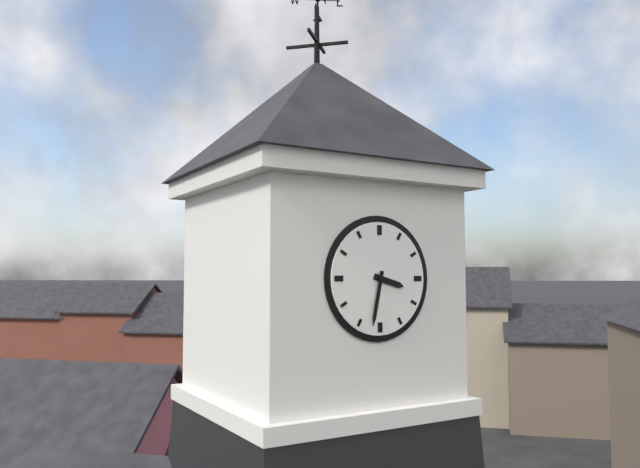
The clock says 3,32
